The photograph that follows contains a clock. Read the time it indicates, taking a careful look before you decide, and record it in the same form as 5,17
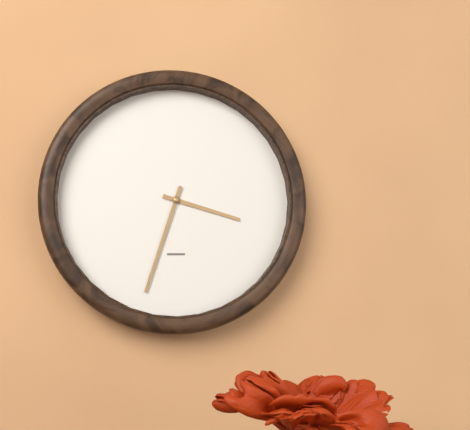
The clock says 3,33
